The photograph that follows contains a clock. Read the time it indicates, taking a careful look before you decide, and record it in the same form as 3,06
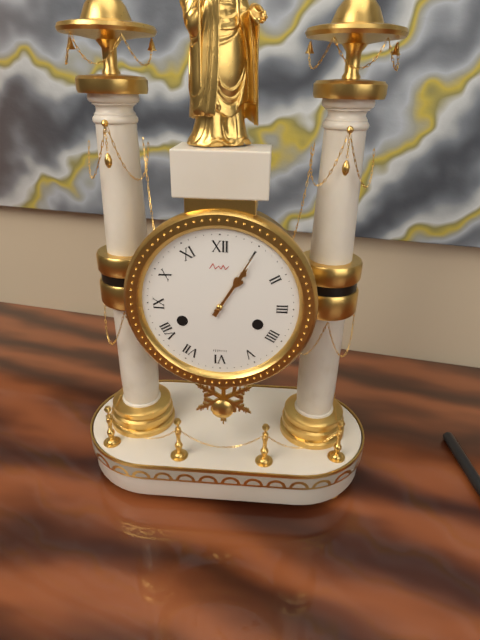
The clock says 1,05
